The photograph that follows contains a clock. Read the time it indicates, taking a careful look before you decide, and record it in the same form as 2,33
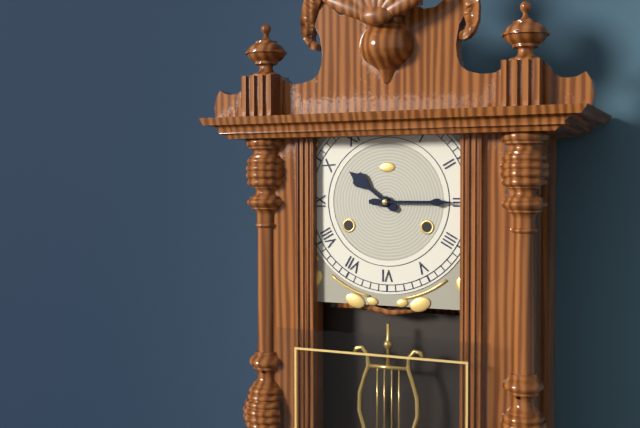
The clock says 10,15
